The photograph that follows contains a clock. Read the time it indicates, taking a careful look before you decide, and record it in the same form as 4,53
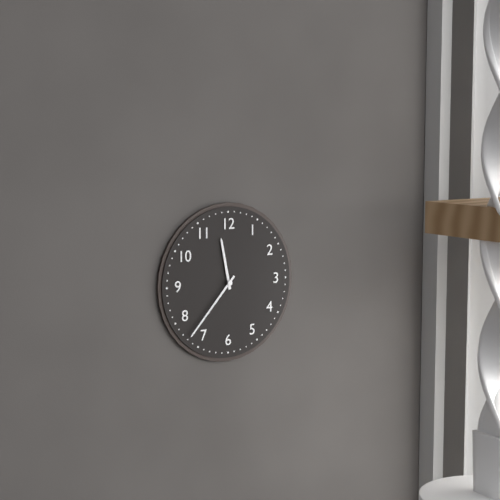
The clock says 11,37
